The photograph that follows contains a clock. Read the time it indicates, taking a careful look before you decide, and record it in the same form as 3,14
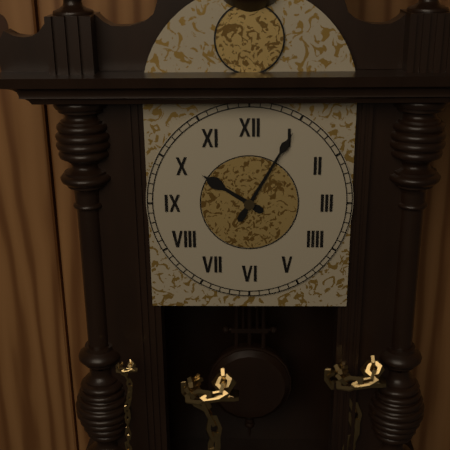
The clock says 10,05
